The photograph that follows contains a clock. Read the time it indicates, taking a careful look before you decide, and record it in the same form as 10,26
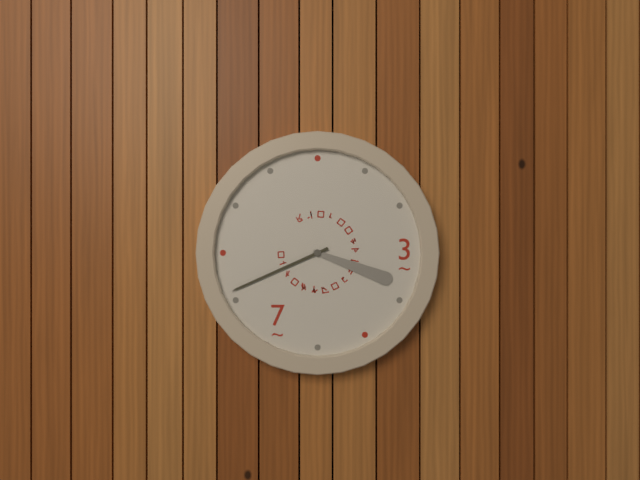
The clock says 3,41
